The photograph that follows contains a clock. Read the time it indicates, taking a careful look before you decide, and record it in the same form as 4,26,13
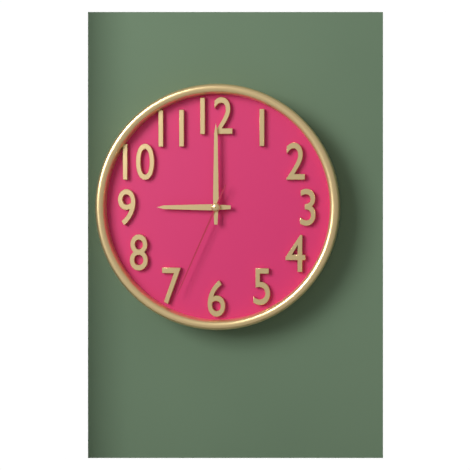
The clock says 9,00,34
